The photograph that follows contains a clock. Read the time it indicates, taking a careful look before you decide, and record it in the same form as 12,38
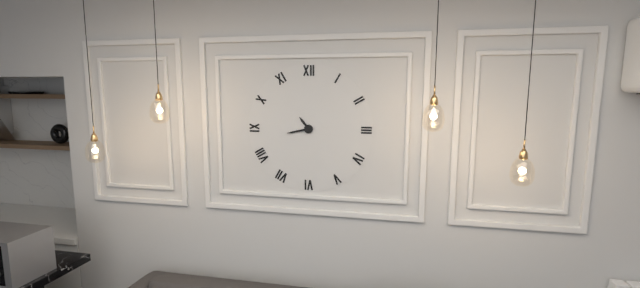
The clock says 10,43
